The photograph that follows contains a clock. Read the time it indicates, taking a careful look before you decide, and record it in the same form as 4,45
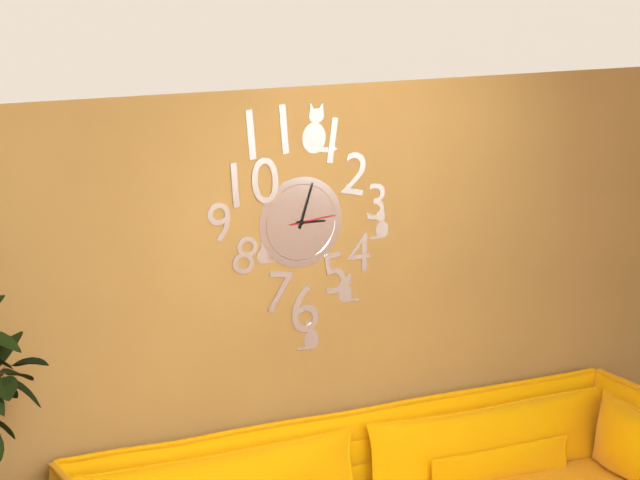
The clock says 3,03
